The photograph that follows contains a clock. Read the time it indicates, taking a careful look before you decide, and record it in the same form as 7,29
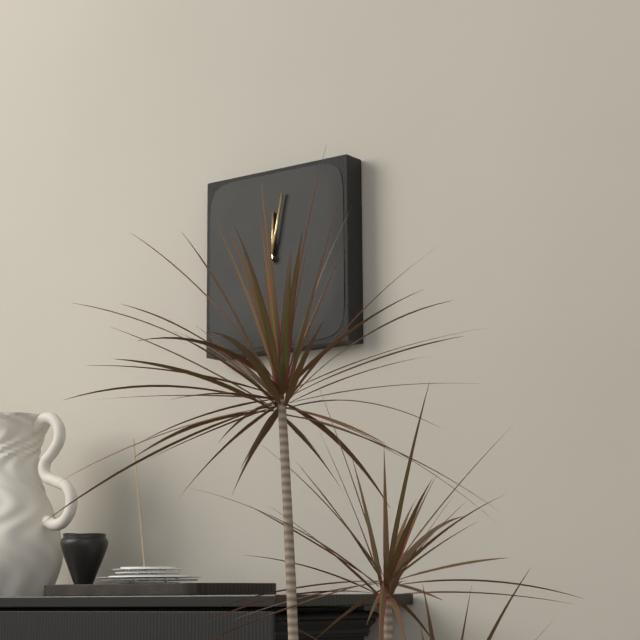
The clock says 12,02
